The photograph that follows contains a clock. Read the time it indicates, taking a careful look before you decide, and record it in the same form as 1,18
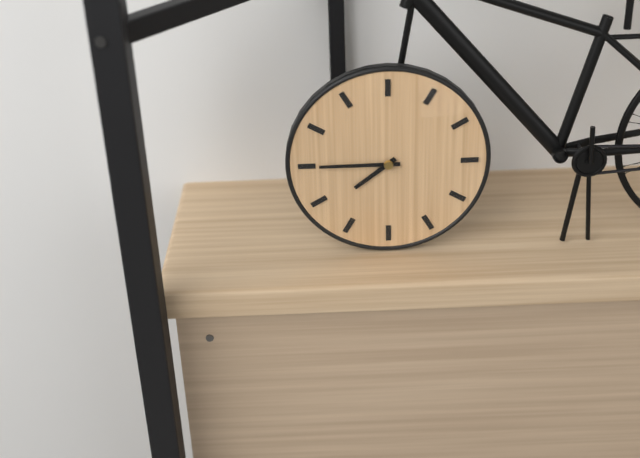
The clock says 7,45
